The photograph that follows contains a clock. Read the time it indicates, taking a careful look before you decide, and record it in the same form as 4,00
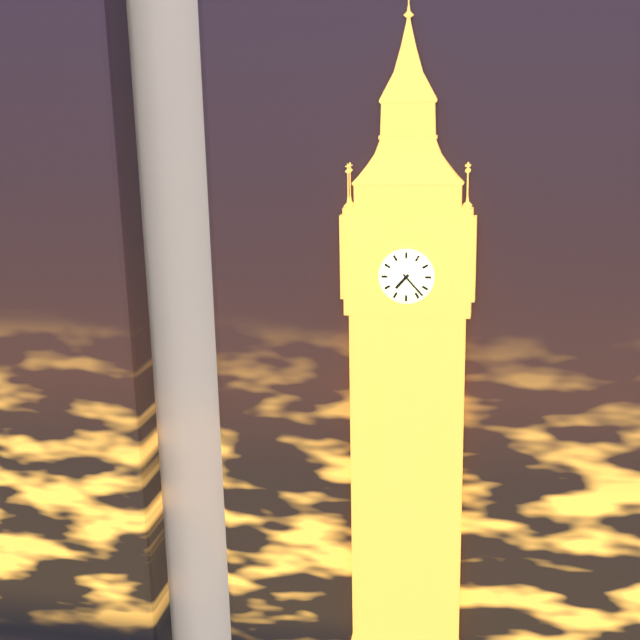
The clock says 7,23
